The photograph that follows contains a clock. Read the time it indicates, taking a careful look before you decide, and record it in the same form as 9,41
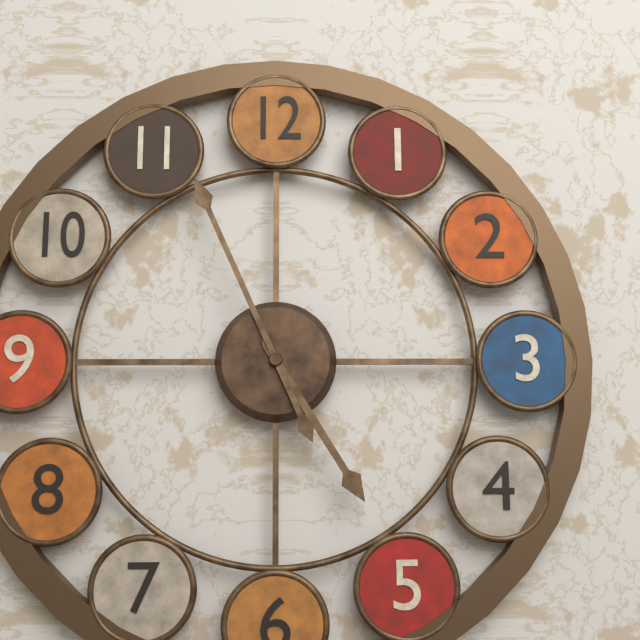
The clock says 4,56
